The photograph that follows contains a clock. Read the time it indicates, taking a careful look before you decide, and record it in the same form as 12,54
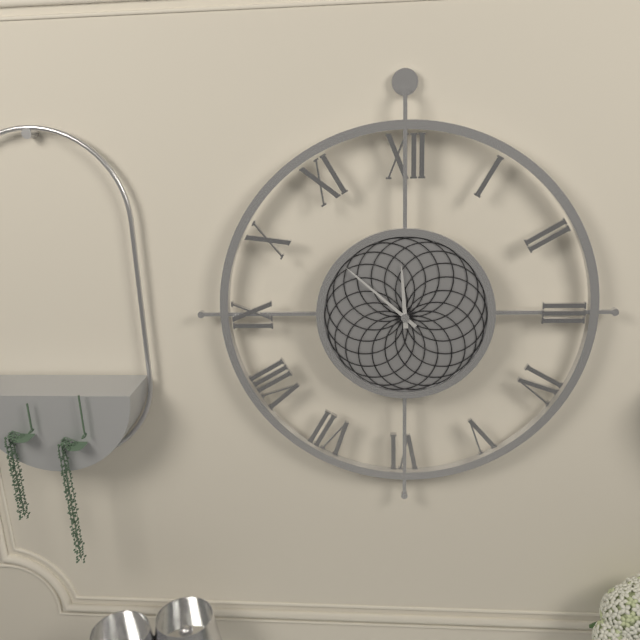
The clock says 11,52
